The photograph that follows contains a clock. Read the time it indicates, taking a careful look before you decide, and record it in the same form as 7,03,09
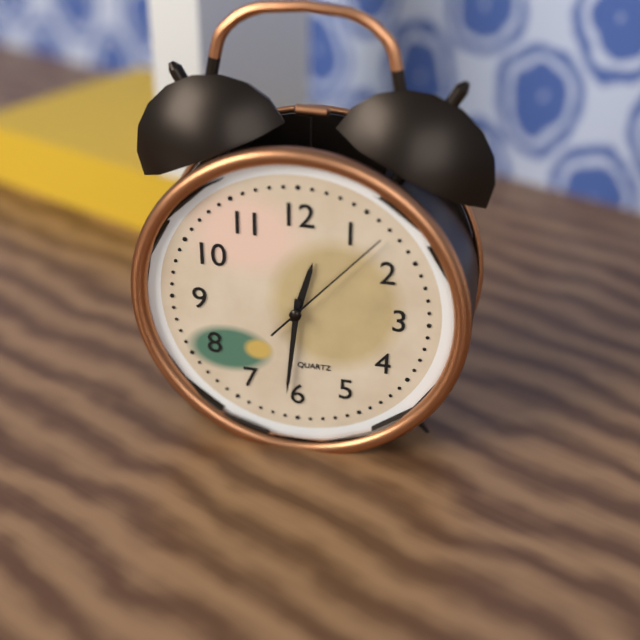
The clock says 12,31,07
